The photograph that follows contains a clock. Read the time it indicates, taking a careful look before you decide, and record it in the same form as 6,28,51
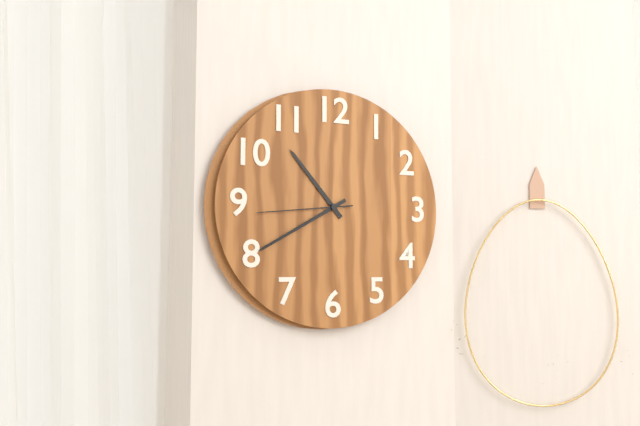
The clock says 10,40,44
